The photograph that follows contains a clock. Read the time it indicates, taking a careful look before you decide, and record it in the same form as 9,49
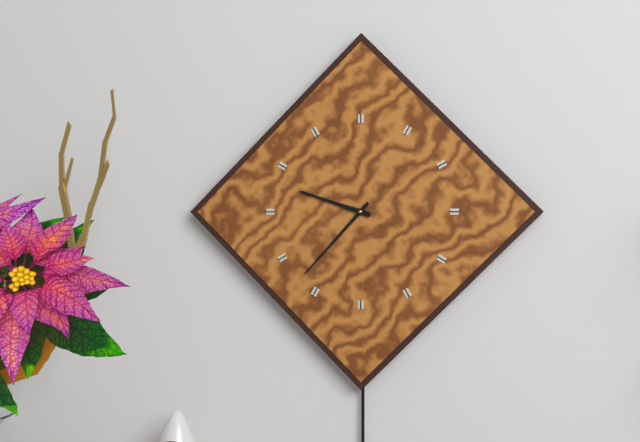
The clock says 9,37
